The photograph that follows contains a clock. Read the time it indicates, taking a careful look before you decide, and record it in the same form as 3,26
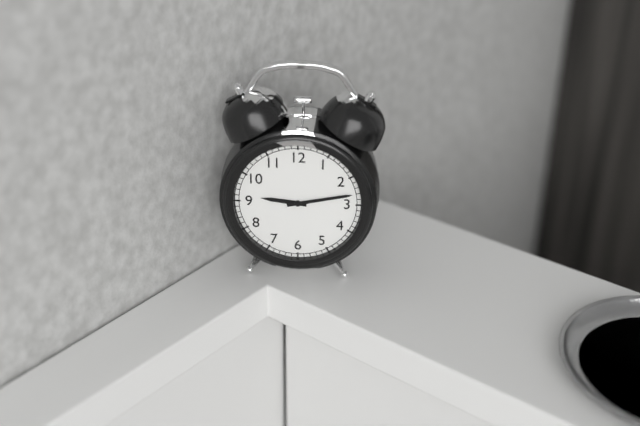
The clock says 9,13
